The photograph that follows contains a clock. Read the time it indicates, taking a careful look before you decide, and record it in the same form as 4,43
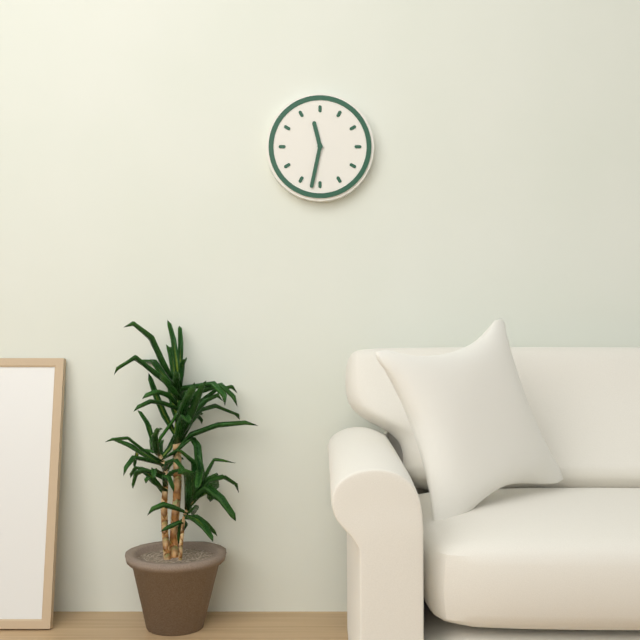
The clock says 11,32
